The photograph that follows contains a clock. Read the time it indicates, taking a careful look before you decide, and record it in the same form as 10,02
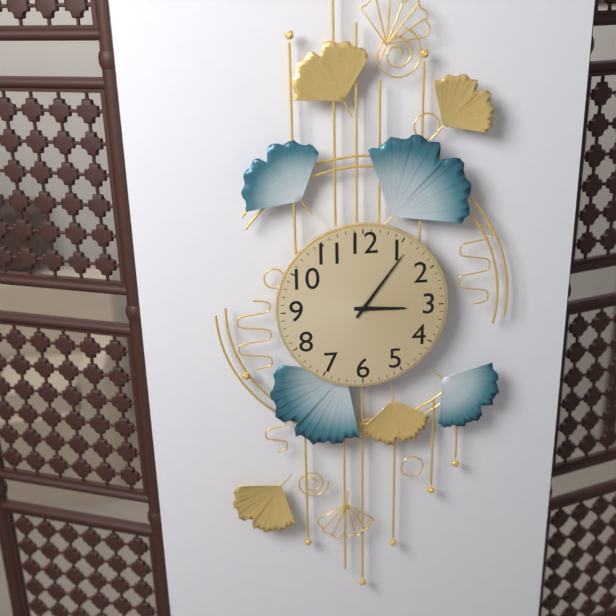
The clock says 3,06
